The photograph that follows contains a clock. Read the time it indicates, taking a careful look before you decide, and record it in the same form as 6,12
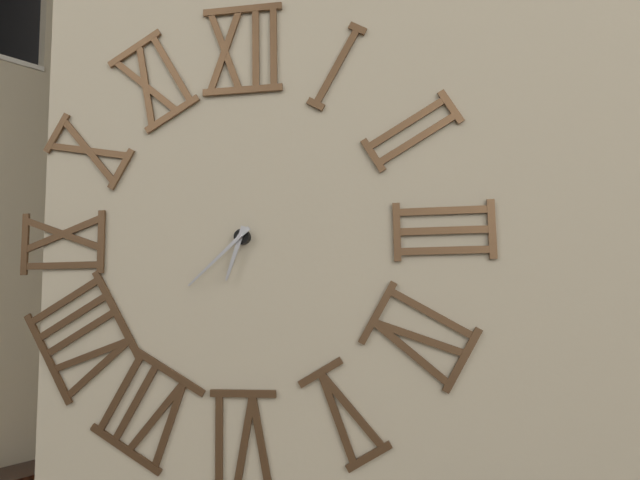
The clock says 6,38
